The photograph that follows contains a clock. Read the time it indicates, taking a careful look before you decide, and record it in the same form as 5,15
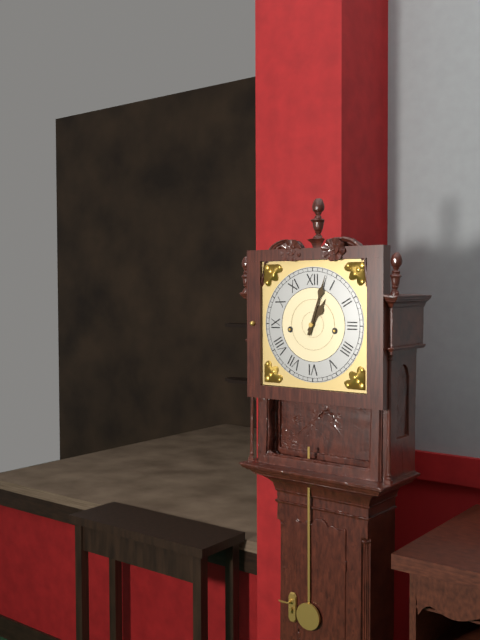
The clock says 1,03
